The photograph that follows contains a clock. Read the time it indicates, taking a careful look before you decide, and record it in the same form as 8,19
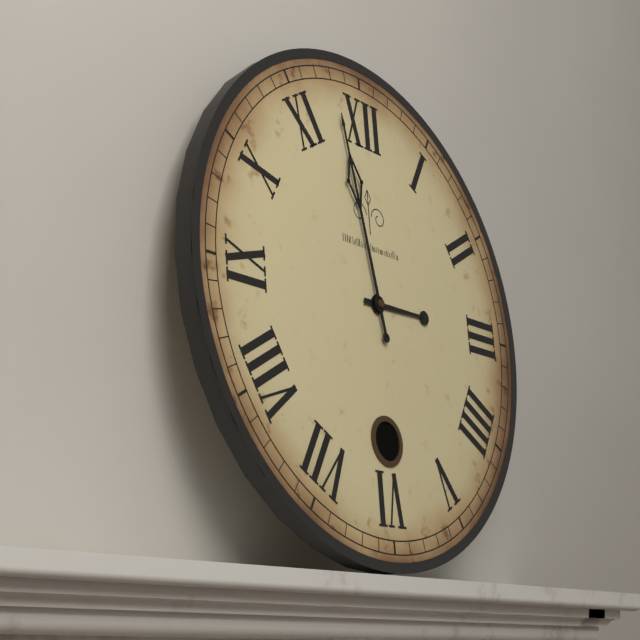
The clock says 2,58
